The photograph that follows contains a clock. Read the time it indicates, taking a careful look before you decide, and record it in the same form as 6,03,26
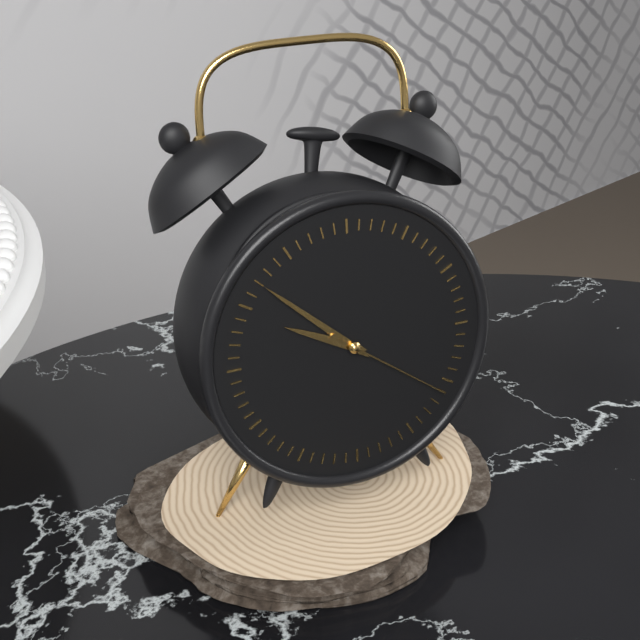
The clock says 9,52,21
